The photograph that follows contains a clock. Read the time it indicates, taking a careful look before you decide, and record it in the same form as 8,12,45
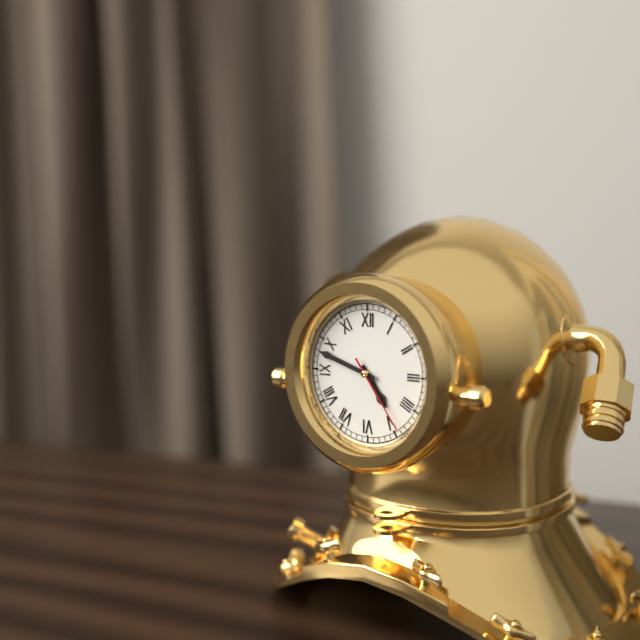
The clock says 4,48,24
